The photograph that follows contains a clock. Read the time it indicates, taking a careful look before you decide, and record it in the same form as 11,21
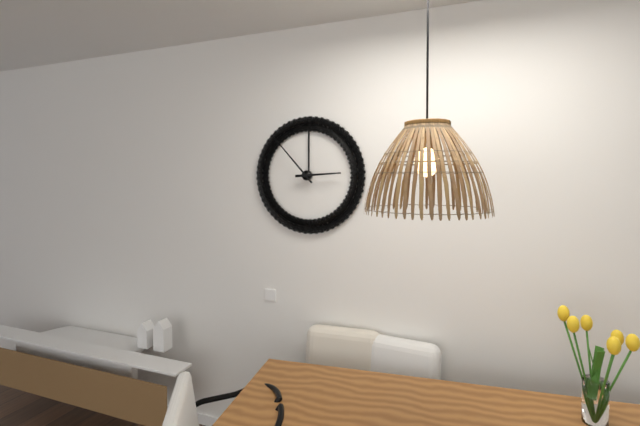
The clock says 2,53
